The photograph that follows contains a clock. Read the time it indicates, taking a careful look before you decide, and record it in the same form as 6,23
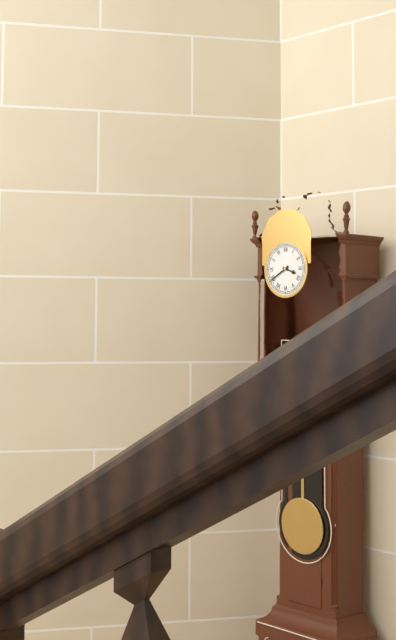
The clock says 3,40
